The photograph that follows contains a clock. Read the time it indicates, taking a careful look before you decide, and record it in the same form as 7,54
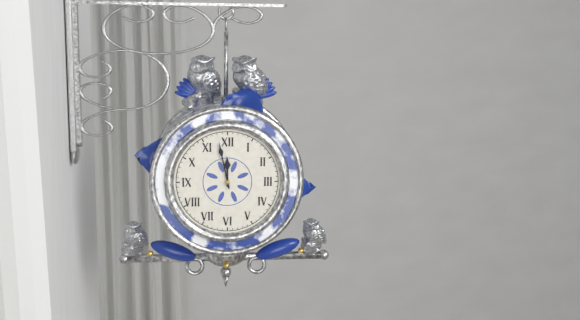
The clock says 11,58
